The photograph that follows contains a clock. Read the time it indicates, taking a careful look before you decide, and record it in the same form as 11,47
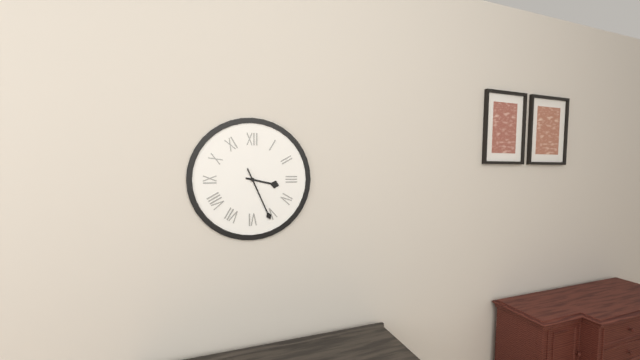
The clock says 3,26
